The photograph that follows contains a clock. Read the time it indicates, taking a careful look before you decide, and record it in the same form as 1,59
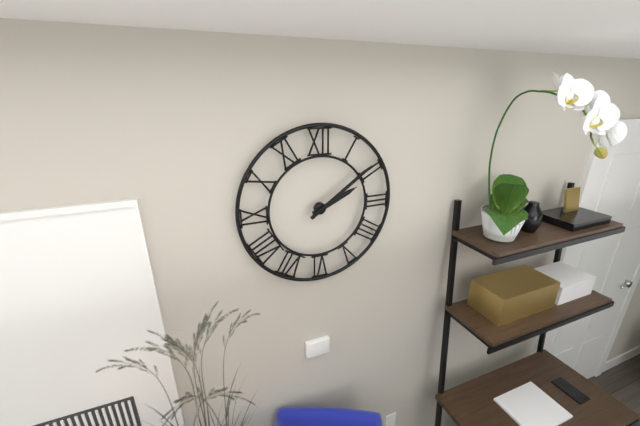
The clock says 2,09
